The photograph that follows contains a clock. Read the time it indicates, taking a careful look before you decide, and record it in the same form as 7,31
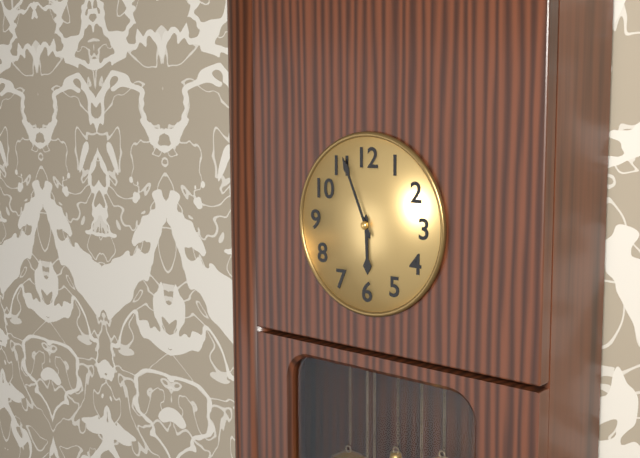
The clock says 5,56
